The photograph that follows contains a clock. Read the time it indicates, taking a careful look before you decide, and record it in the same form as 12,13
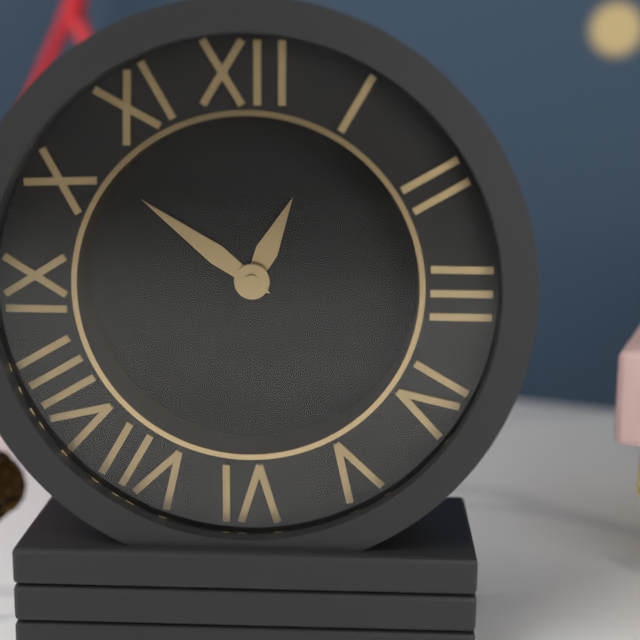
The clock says 12,51
